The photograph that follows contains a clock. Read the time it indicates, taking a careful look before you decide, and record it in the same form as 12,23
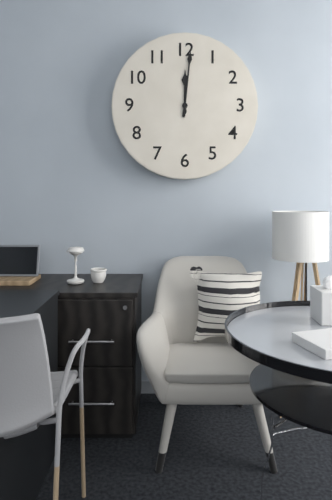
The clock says 12,01
